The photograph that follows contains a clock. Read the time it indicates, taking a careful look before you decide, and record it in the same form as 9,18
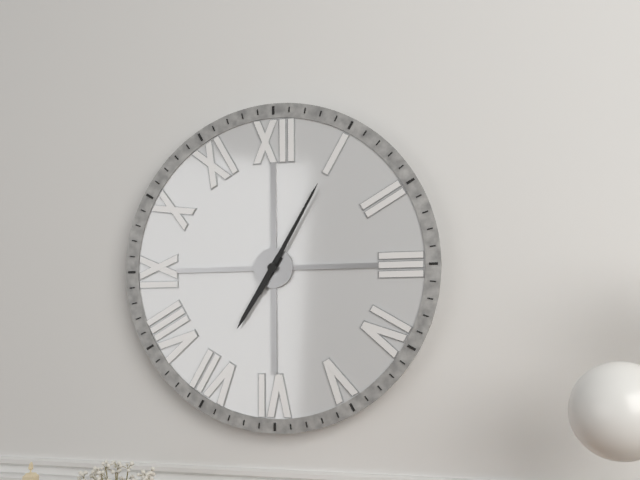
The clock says 7,05
